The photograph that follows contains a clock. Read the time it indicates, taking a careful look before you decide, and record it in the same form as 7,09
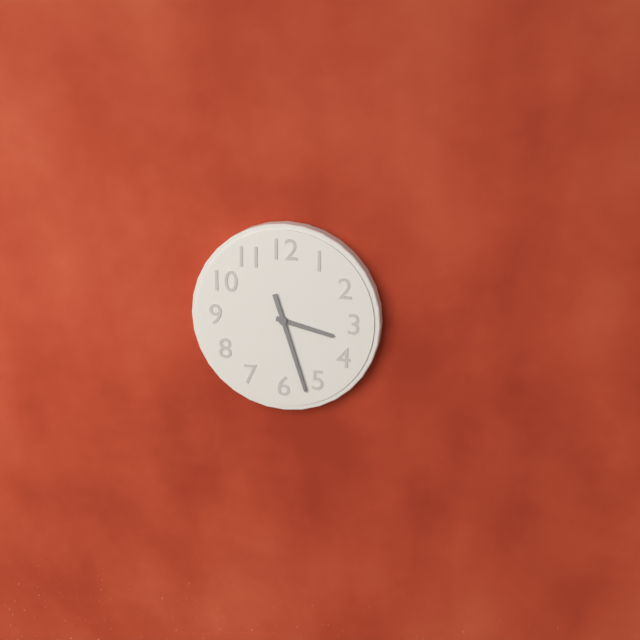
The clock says 3,27
